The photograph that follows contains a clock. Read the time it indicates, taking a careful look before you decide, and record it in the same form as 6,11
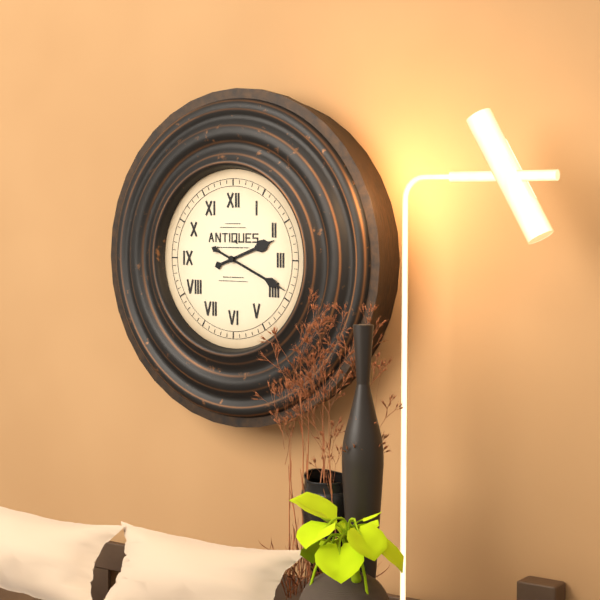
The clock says 2,19
